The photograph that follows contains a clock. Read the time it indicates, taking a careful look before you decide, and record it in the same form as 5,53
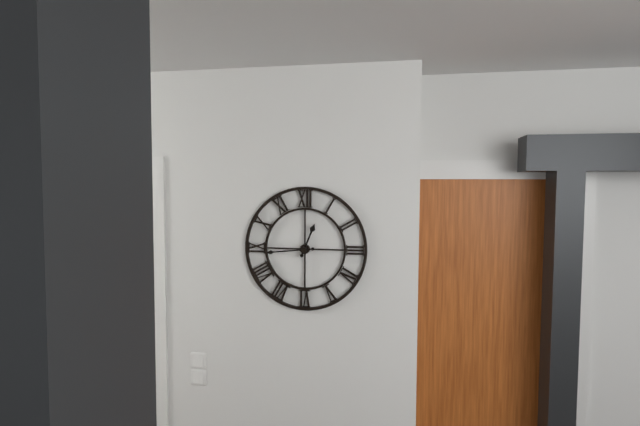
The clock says 12,44
